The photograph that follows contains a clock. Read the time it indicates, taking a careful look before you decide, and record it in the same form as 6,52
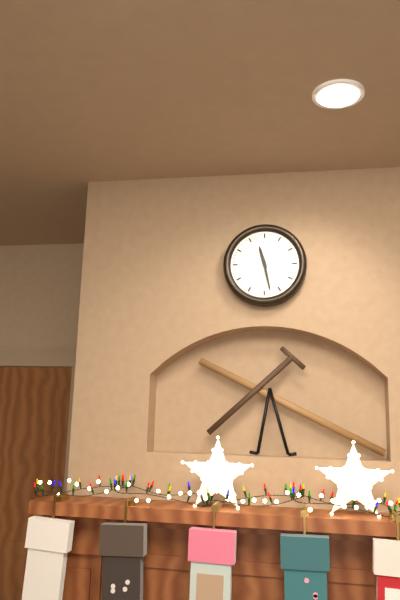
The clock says 11,28
